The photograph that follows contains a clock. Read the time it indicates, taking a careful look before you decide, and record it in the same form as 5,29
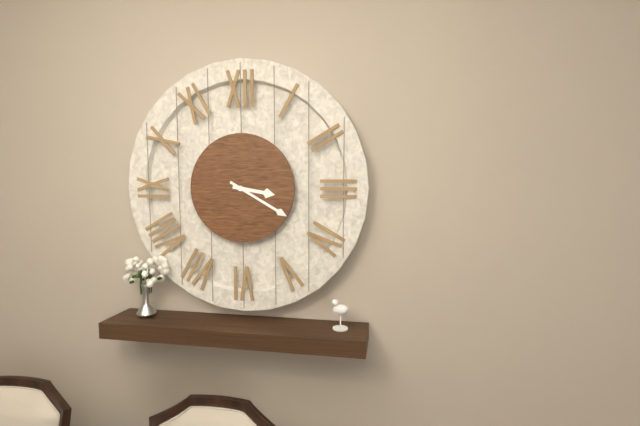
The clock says 3,20
